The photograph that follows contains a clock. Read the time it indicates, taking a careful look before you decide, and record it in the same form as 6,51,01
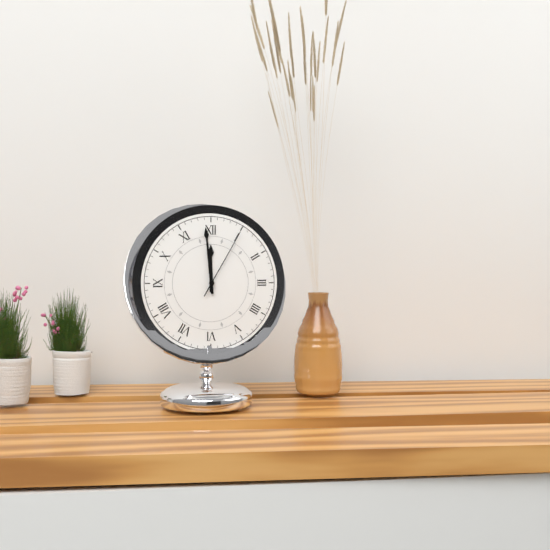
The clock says 11,59,05
